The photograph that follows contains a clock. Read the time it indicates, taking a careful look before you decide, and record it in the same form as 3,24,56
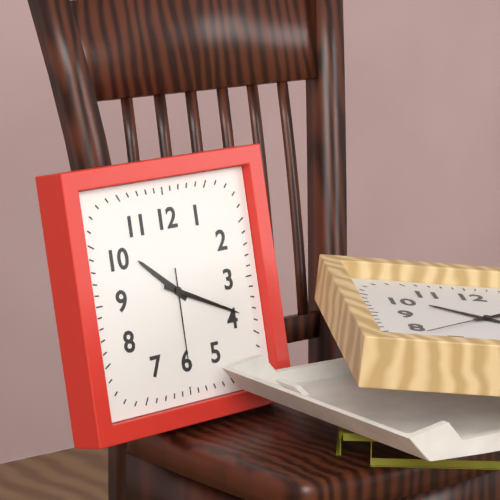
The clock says 10,19,30
